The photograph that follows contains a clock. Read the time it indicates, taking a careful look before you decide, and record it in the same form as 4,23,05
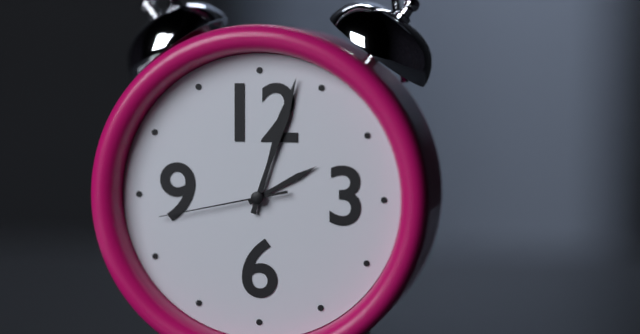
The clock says 2,03,43
